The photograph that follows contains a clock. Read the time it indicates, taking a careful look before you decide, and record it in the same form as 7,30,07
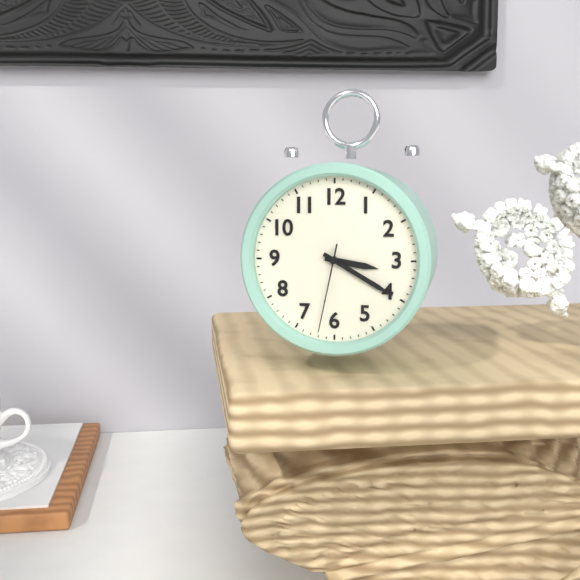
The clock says 3,20,32
